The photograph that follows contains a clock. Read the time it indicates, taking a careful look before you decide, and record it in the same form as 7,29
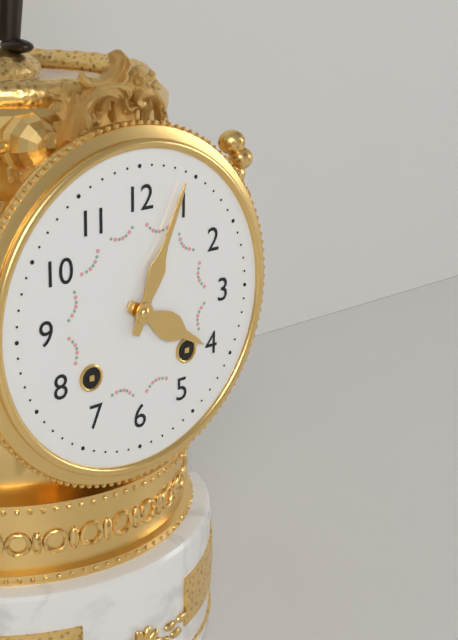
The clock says 4,04
